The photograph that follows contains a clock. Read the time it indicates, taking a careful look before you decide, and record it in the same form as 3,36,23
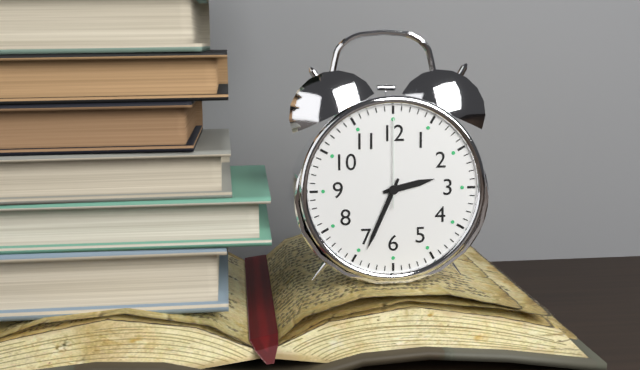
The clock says 2,34,00
